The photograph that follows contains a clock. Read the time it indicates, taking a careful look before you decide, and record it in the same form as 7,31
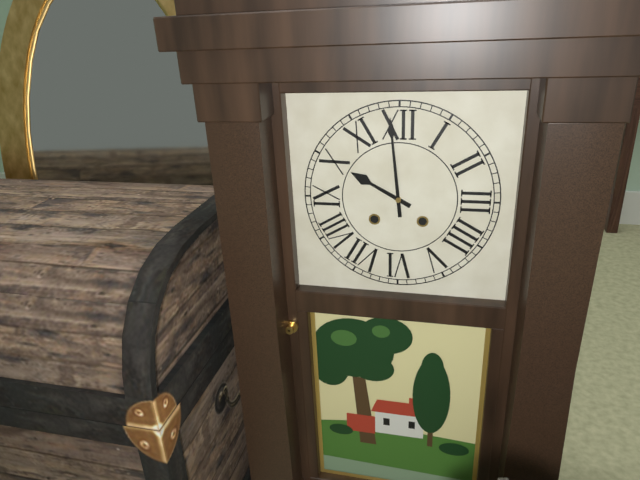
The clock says 9,59
